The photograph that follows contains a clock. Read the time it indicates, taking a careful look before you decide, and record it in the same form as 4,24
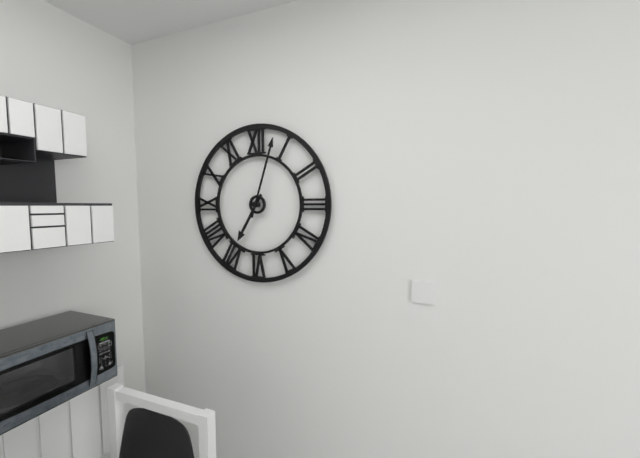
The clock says 7,03
